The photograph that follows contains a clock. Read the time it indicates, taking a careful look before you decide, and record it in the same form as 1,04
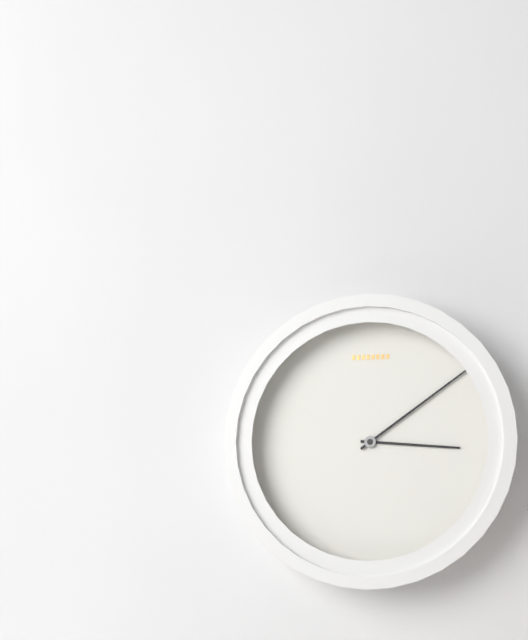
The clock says 3,09
